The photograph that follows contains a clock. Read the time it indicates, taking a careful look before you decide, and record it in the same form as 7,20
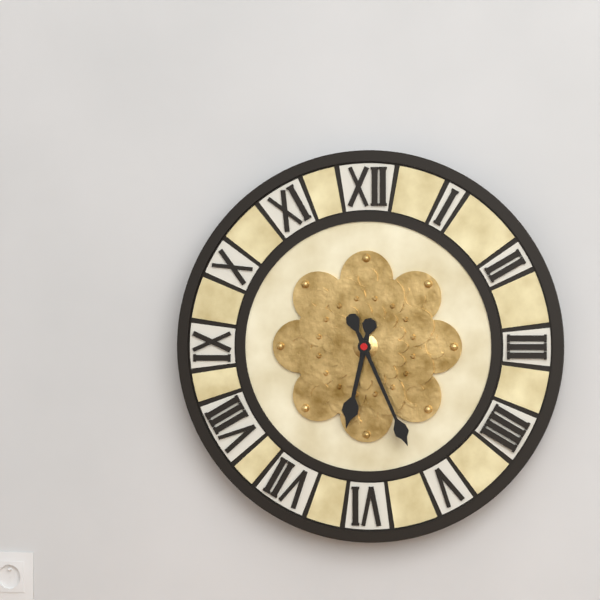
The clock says 6,26
